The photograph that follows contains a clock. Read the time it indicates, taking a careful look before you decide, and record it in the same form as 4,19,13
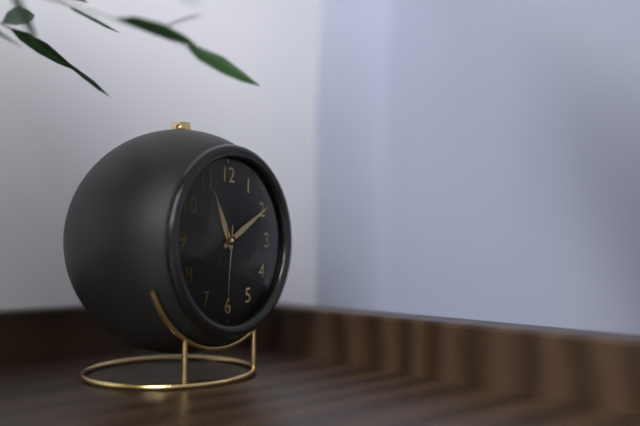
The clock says 11,10,31
